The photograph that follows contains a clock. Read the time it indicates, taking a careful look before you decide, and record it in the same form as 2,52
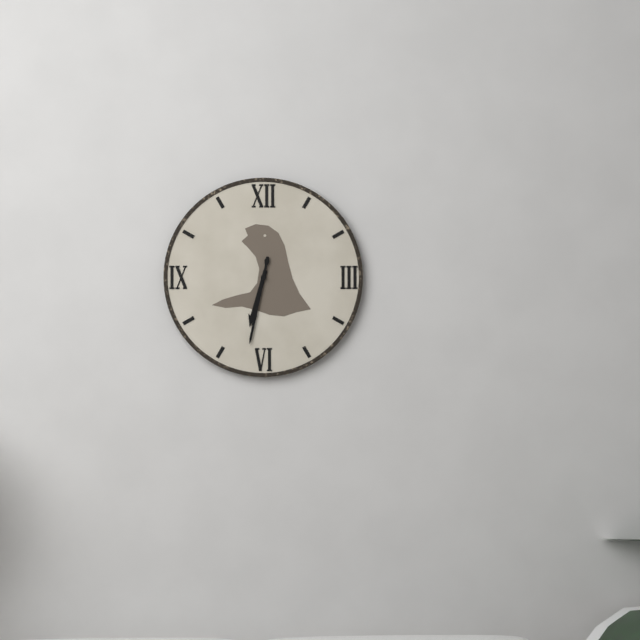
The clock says 6,32
